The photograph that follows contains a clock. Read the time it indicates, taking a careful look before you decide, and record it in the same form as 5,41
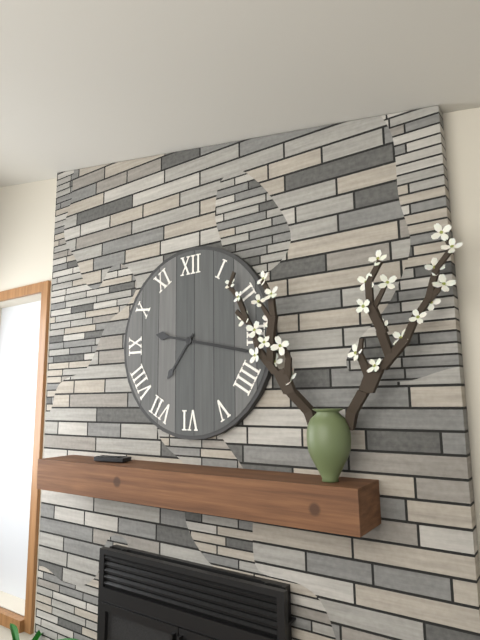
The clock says 7,17
